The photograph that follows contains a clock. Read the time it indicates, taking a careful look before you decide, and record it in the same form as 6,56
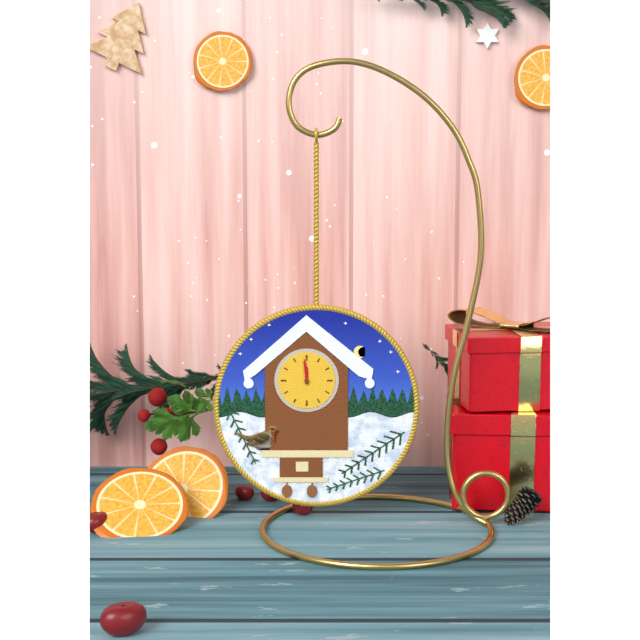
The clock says 11,59
